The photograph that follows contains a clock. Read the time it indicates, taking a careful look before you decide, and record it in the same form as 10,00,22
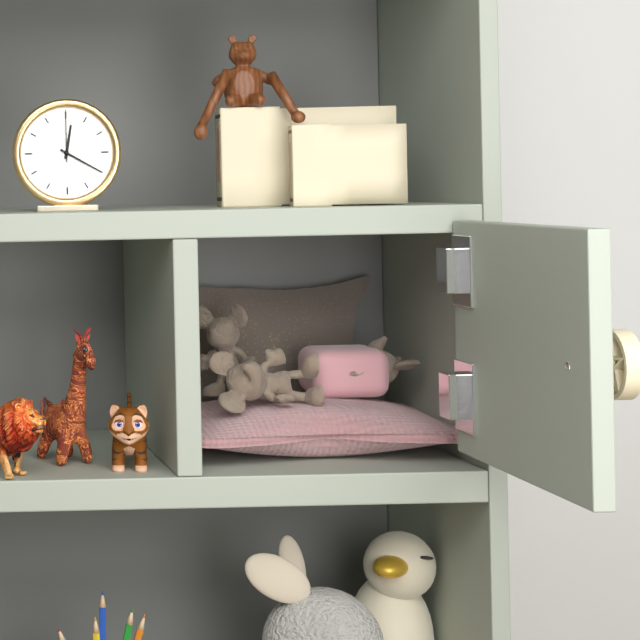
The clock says 12,20,00
